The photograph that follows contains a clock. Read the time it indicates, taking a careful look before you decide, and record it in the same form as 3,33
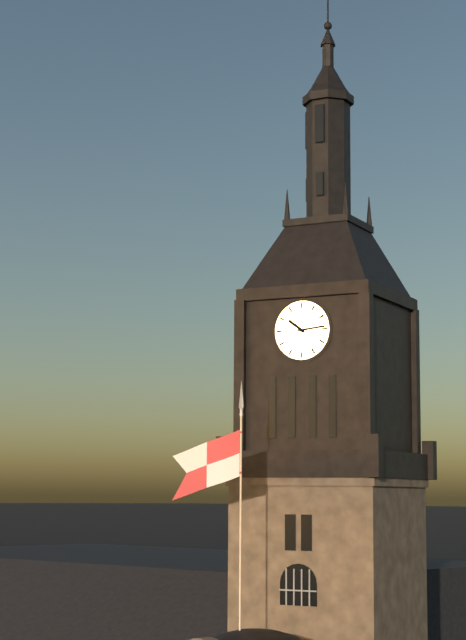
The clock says 10,14
